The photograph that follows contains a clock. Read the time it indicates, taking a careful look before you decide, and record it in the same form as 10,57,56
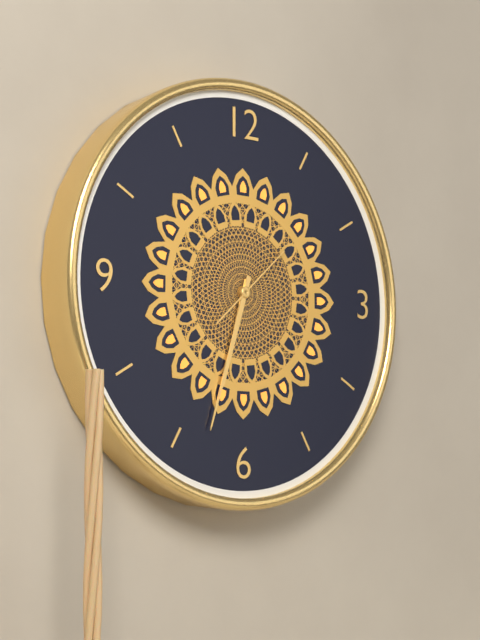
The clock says 6,33,08
